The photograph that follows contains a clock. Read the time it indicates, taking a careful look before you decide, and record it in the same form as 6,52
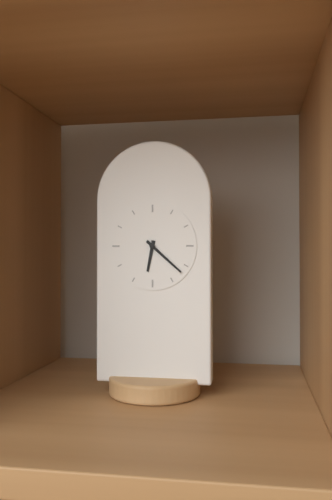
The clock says 6,22
